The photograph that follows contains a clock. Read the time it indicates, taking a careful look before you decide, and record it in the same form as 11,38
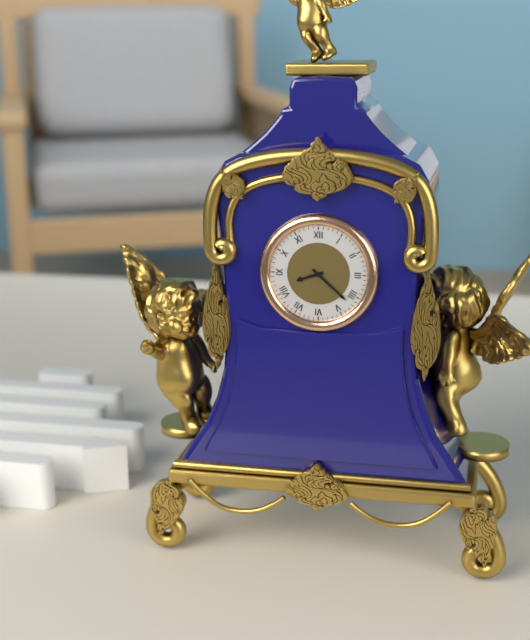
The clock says 8,22
